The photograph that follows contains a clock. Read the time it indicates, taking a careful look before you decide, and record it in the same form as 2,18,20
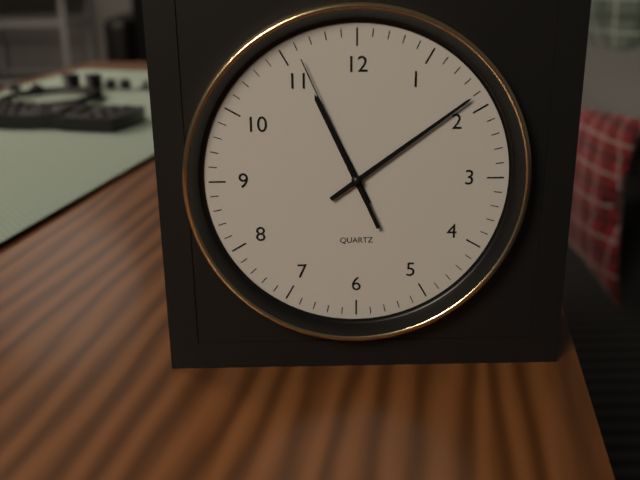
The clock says 11,09,56
